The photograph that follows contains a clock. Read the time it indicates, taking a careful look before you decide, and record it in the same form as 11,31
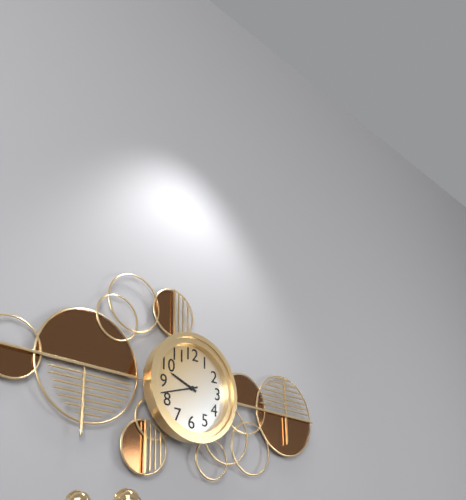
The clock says 9,42
